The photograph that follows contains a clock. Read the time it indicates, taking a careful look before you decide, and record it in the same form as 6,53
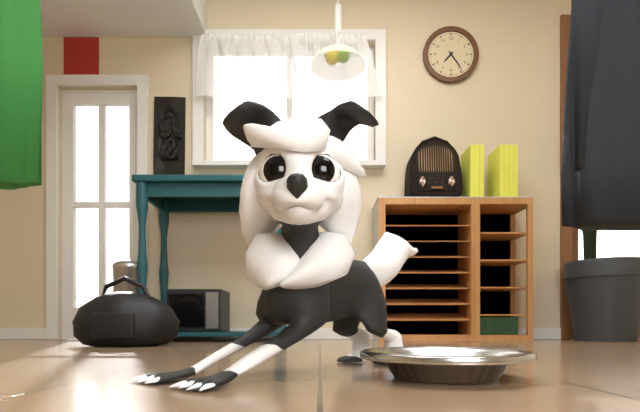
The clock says 7,24
